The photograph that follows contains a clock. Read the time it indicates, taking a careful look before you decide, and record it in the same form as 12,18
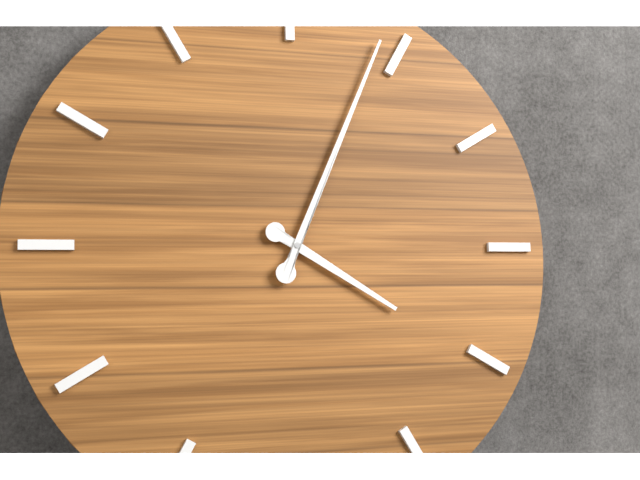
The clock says 4,04
